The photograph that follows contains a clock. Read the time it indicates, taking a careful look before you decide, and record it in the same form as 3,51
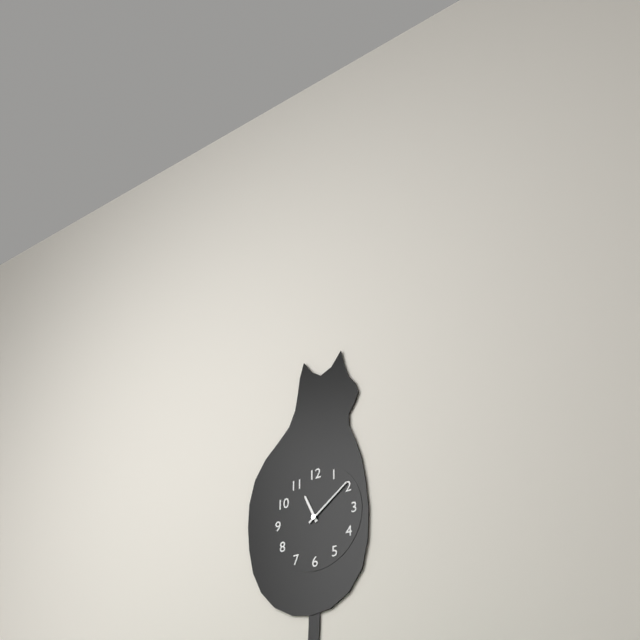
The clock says 11,09
